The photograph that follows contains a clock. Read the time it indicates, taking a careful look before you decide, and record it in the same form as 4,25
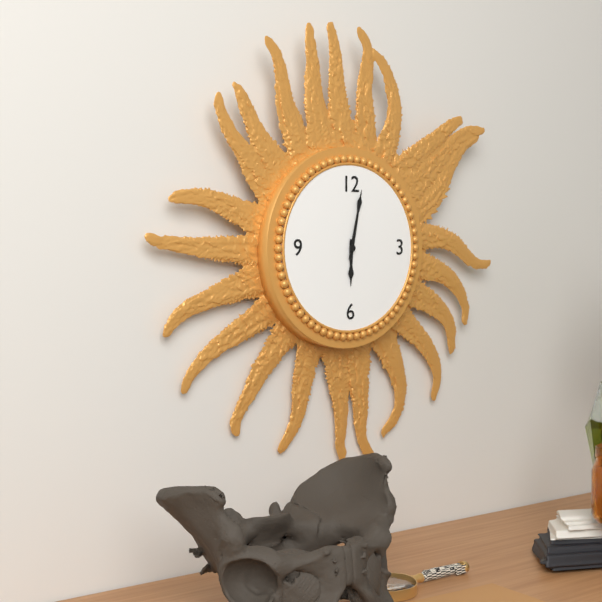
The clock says 6,02
